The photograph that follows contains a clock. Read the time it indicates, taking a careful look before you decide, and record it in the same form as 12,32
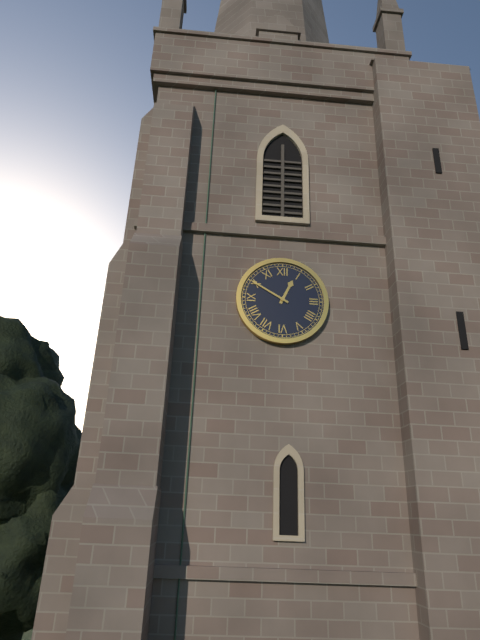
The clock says 12,50
